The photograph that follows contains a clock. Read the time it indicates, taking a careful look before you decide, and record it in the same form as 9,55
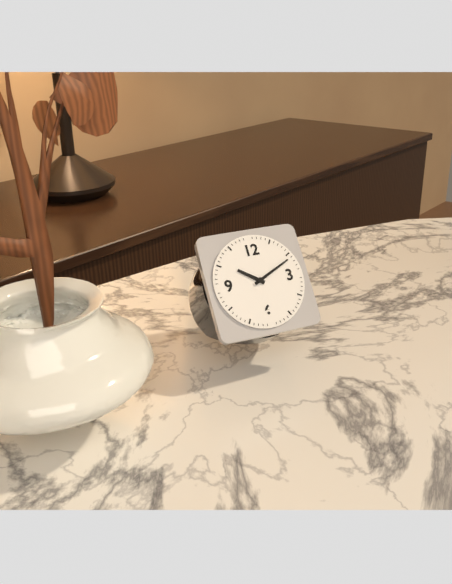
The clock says 10,11
